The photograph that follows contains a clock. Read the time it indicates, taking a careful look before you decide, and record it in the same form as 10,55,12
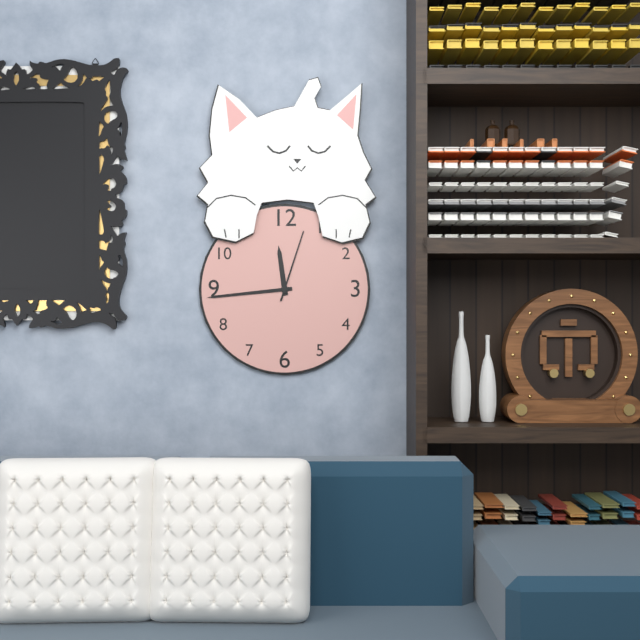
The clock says 11,44,03
